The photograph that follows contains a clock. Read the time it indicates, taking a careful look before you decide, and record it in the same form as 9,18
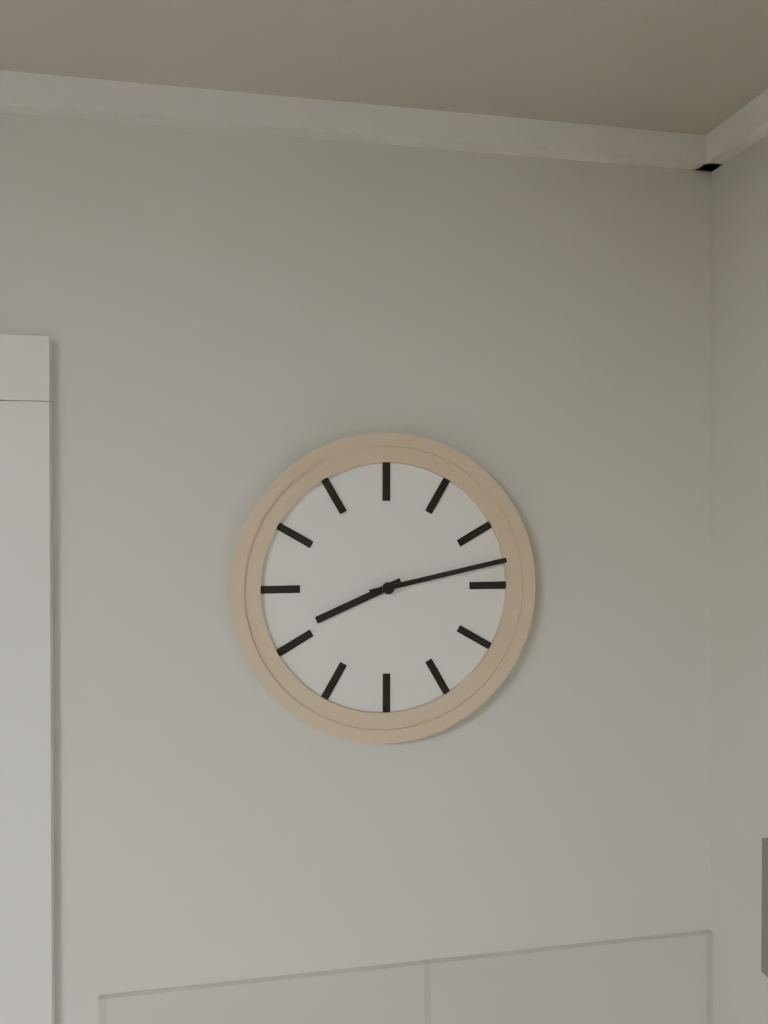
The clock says 8,13
